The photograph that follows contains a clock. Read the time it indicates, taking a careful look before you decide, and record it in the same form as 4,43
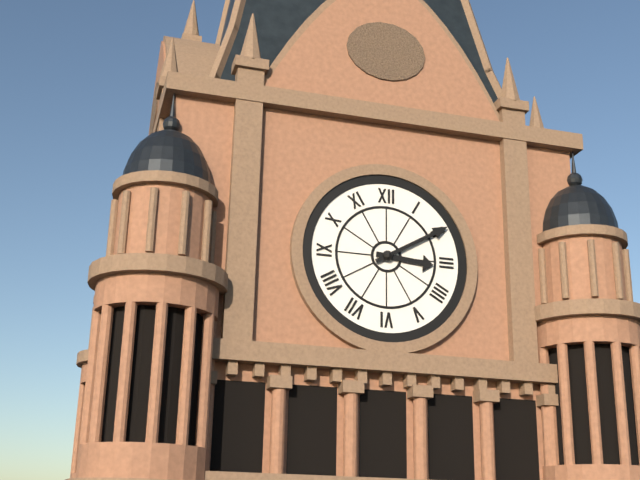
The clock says 3,10
